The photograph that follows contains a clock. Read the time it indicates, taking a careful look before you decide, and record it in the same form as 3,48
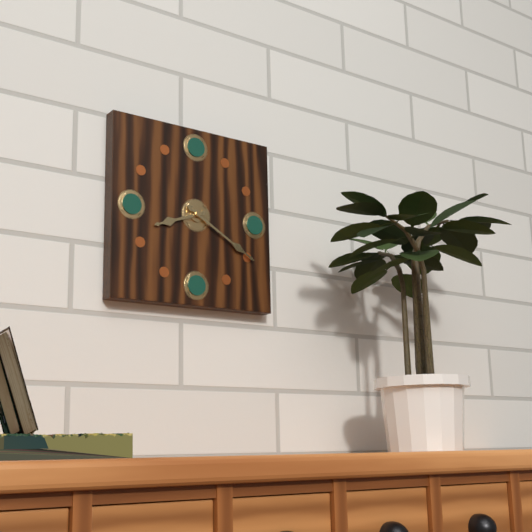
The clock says 8,20
